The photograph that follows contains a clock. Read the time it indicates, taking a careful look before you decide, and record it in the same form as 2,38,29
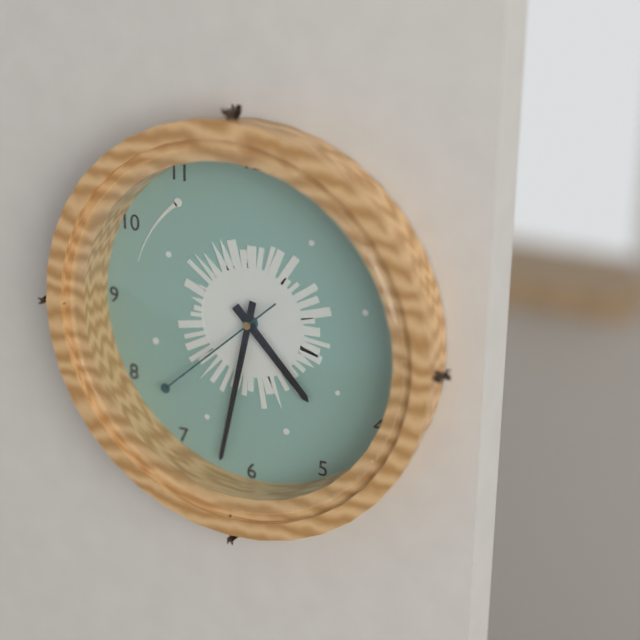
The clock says 4,32,38
